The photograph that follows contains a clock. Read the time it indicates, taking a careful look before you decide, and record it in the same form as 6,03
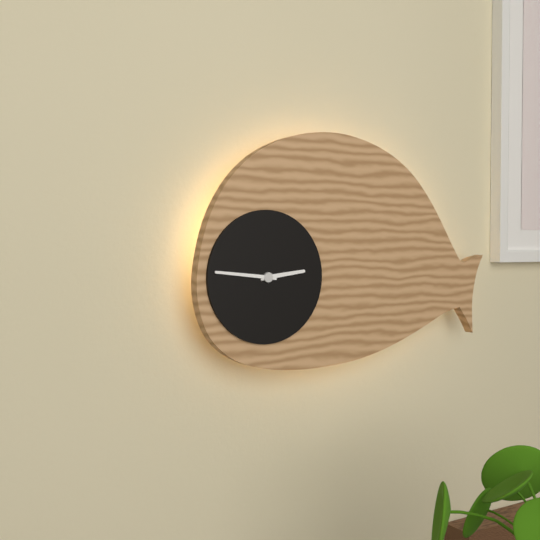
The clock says 2,46
